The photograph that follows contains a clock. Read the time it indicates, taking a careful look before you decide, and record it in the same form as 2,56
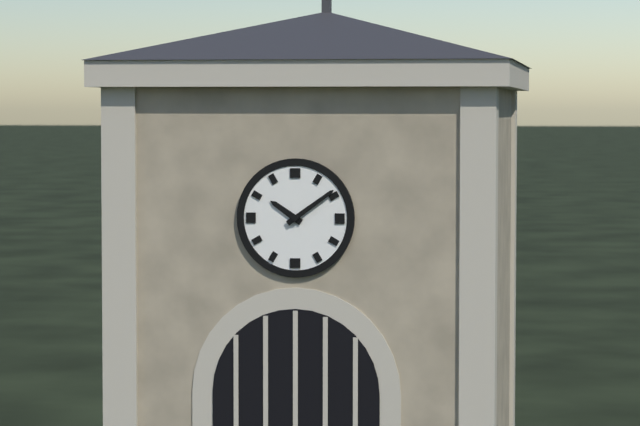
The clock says 10,09
